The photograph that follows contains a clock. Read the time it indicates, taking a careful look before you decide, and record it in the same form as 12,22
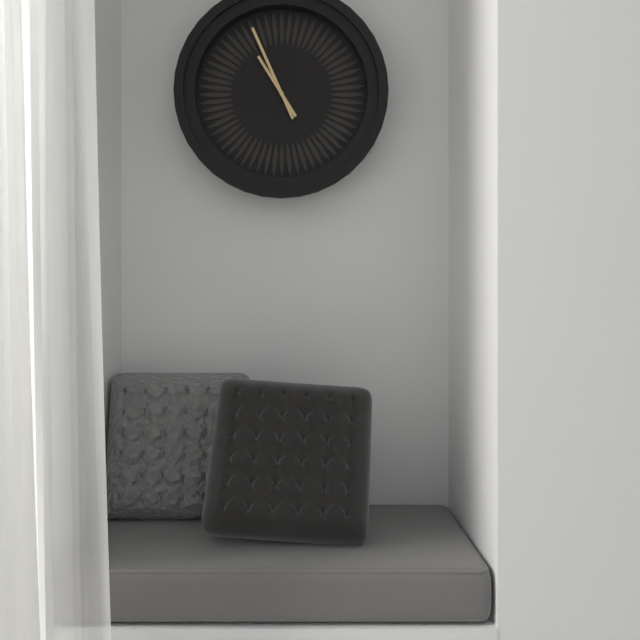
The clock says 10,56
